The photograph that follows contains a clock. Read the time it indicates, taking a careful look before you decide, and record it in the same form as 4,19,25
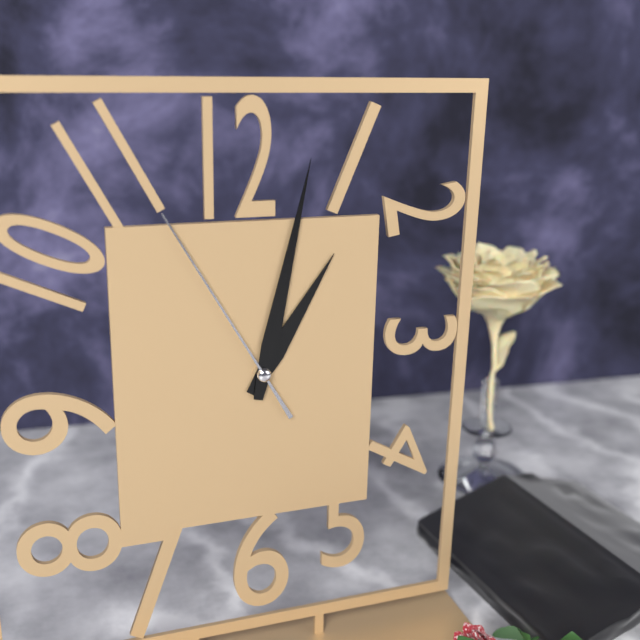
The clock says 1,02,55
